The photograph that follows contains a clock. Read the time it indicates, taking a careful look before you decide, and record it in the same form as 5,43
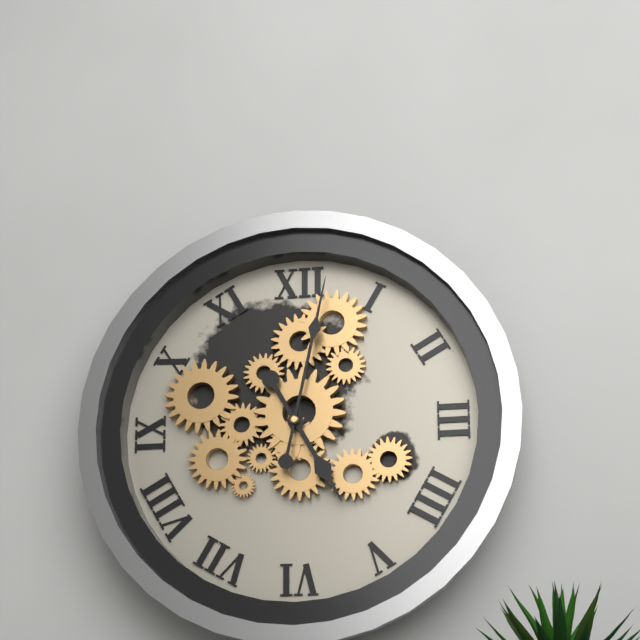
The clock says 5,02
